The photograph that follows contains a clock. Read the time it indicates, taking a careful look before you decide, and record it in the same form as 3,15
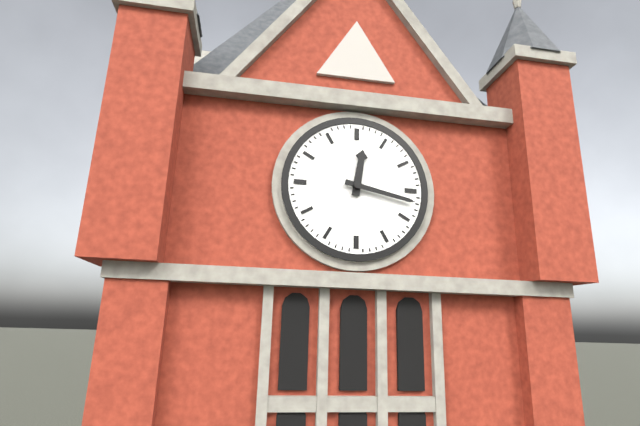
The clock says 12,17
